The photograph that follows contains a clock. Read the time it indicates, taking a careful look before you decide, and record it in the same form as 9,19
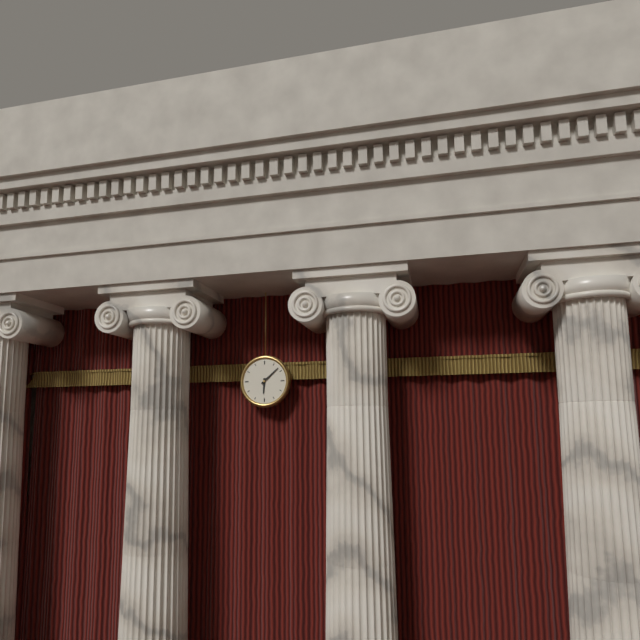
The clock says 6,08
